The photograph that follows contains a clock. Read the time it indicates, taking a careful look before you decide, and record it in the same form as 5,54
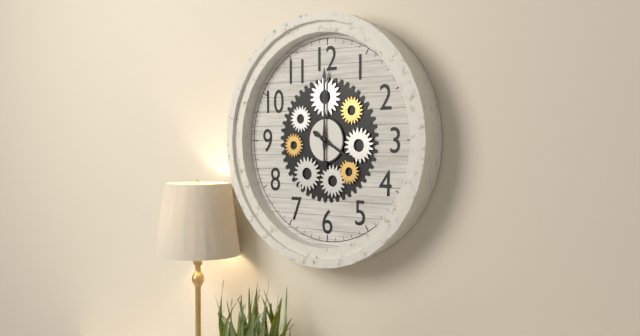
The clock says 4,00
